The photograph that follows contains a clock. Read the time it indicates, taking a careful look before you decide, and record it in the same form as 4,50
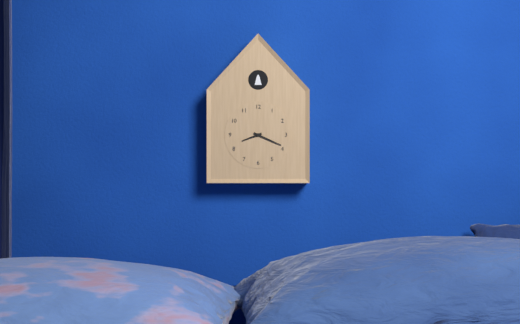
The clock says 8,19
